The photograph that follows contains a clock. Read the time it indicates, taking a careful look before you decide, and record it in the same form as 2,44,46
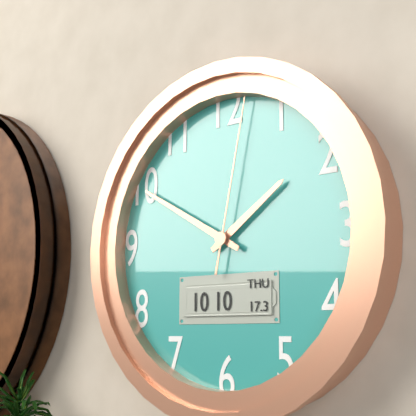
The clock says 1,50,02
